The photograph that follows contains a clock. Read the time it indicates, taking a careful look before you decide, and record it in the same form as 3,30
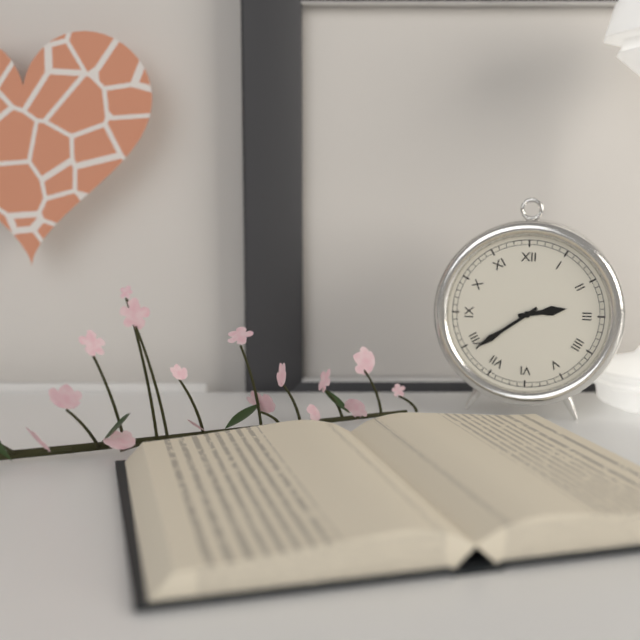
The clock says 2,39
